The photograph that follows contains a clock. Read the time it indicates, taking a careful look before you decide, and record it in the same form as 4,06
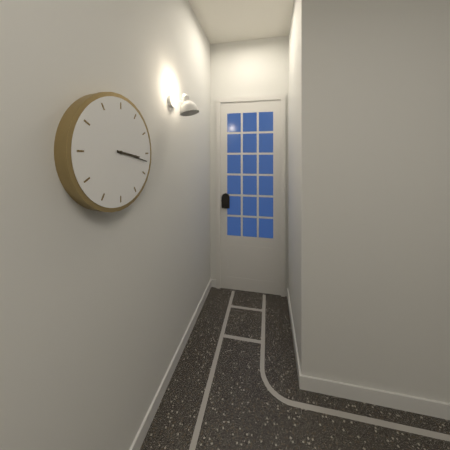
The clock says 3,17
